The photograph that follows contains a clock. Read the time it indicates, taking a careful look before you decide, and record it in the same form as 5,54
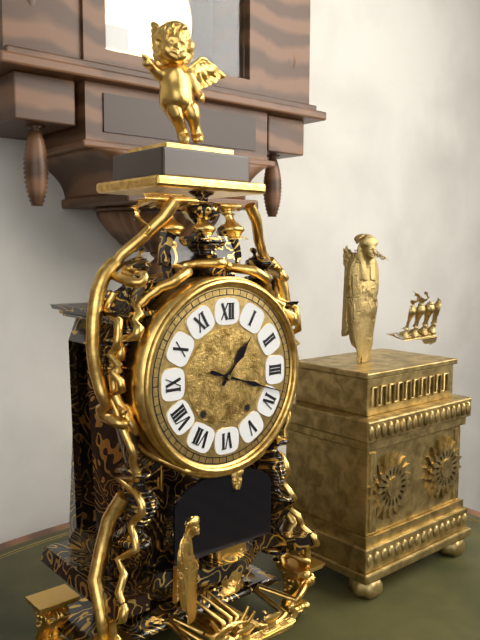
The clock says 1,18
